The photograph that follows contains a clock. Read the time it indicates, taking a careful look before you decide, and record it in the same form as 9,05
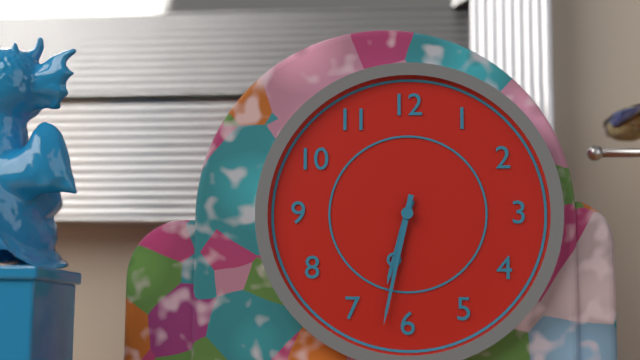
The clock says 6,32
